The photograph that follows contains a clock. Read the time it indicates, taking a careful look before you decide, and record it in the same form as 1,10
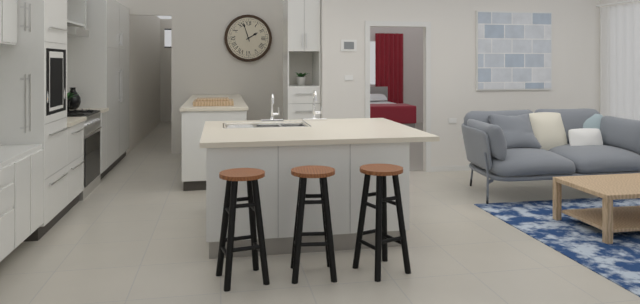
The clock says 1,57
